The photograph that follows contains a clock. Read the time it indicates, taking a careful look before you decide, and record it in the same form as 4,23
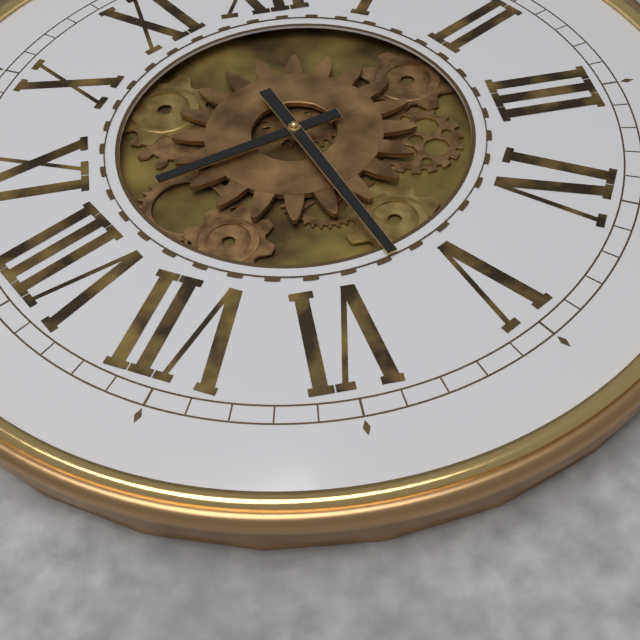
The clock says 8,27
